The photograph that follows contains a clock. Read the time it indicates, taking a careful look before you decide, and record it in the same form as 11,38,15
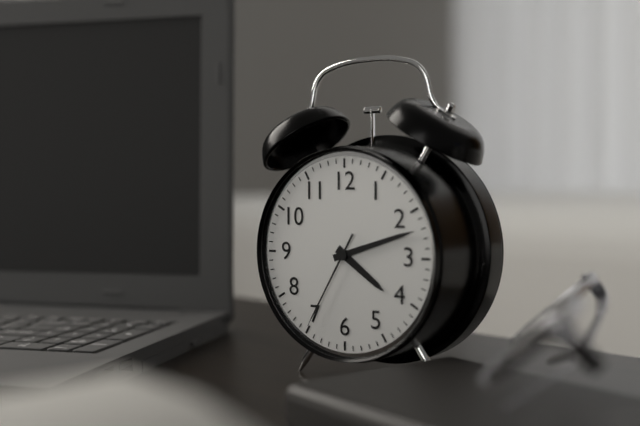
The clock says 4,12,35
